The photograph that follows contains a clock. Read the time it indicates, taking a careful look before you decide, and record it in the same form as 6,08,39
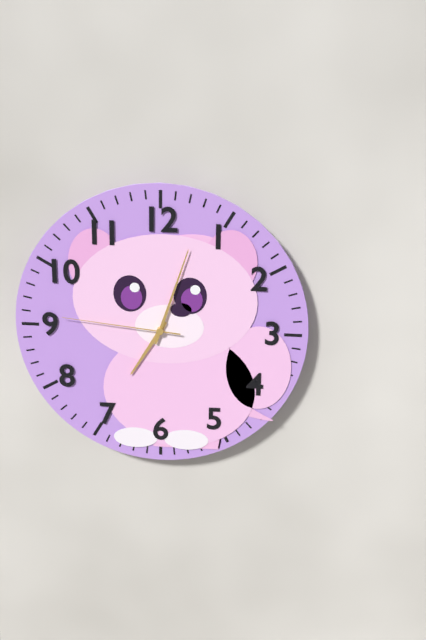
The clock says 7,03,46
